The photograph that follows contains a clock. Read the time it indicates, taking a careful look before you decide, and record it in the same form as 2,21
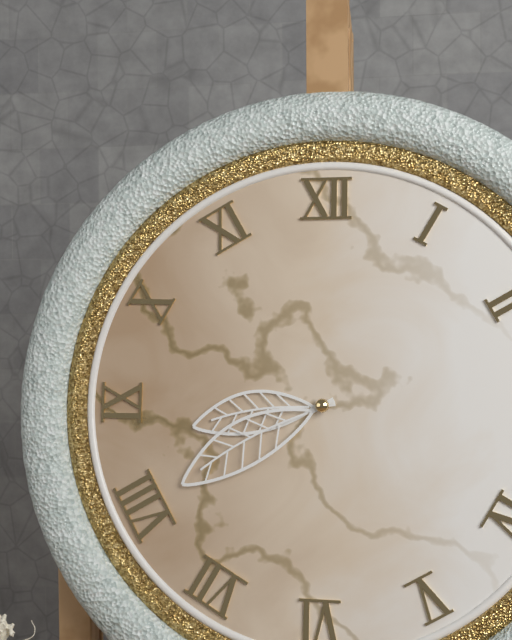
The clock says 8,40
